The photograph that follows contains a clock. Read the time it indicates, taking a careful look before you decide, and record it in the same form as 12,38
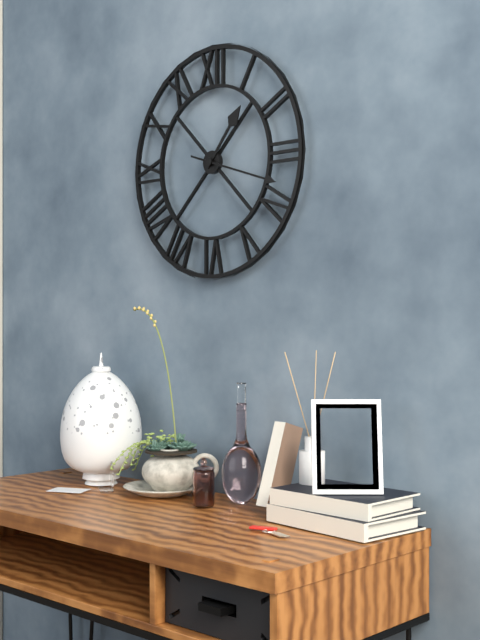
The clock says 1,18
